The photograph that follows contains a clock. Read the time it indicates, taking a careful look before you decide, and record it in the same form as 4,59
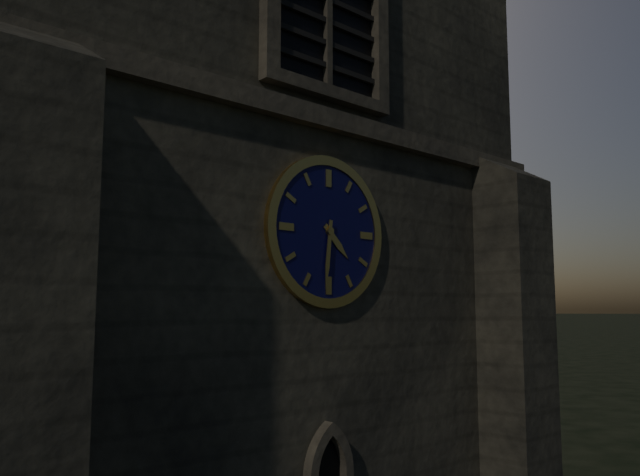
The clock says 4,31
